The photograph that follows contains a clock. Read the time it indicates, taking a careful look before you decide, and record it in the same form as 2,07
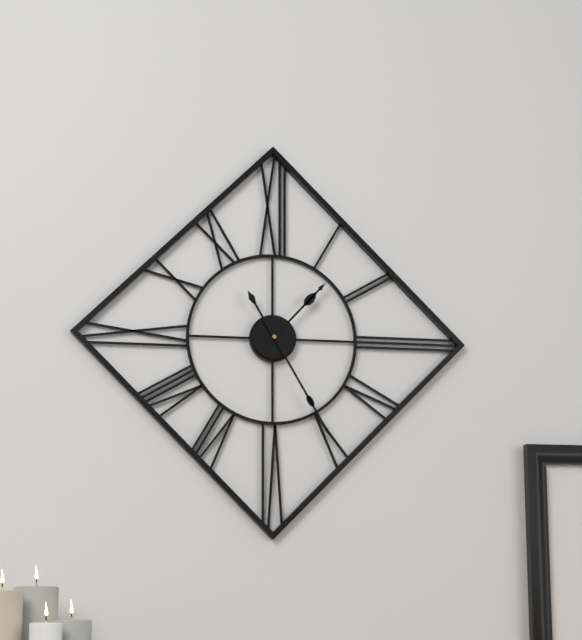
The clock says 1,25
